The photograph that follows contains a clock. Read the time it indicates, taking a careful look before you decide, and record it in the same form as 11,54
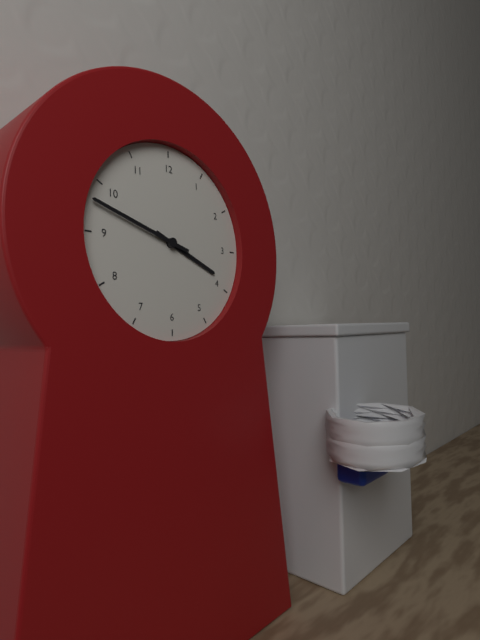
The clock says 3,48
